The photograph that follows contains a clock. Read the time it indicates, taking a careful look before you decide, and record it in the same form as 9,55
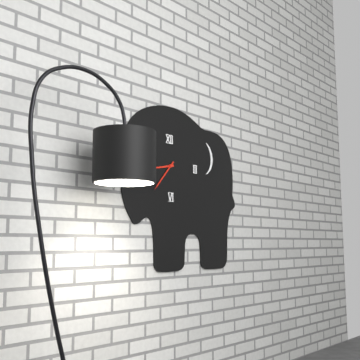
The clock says 8,37
